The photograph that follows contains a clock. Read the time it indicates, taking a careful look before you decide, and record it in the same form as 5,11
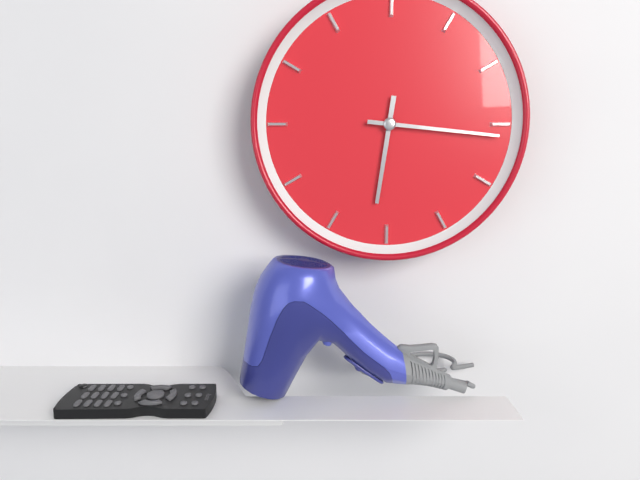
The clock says 6,16
